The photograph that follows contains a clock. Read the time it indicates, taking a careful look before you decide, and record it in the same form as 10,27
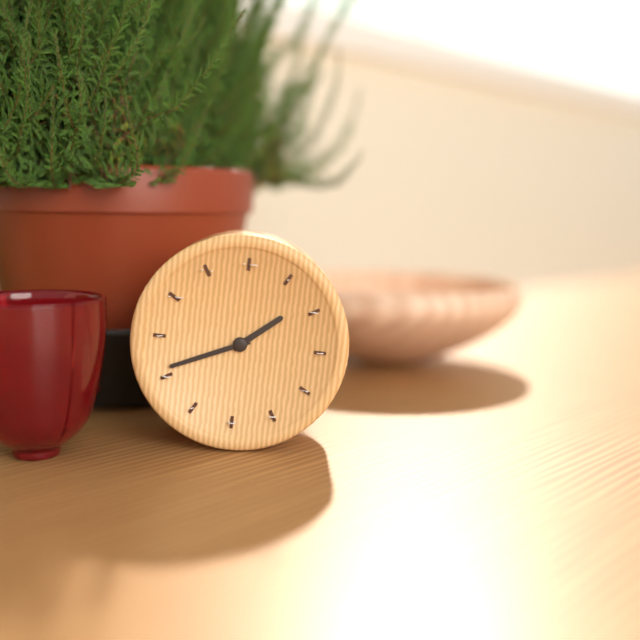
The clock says 1,41
